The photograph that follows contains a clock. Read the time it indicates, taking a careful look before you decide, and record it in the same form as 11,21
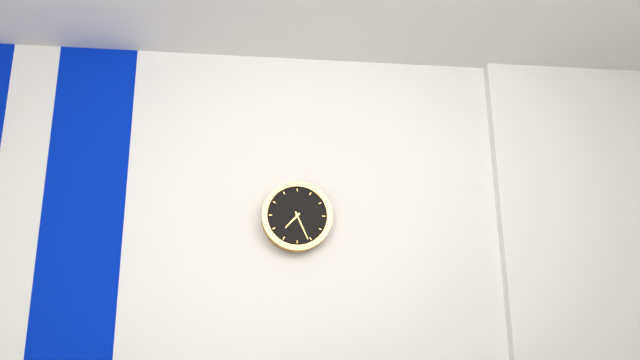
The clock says 7,26
